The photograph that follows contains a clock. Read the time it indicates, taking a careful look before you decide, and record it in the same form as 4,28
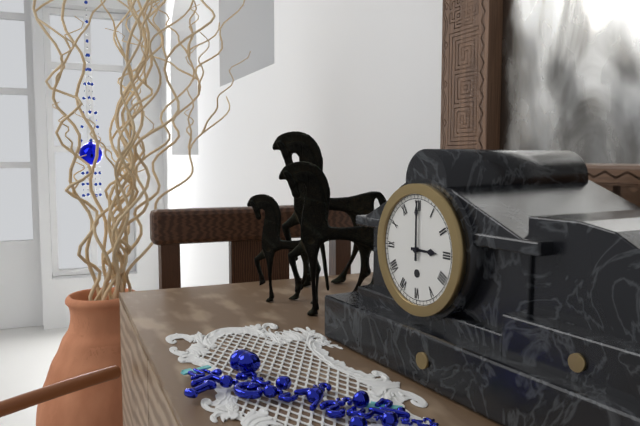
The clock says 3,00
